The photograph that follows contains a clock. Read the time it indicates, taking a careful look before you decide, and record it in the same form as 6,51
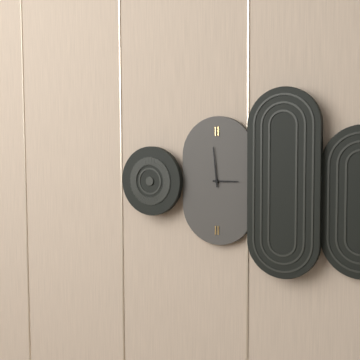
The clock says 2,59
